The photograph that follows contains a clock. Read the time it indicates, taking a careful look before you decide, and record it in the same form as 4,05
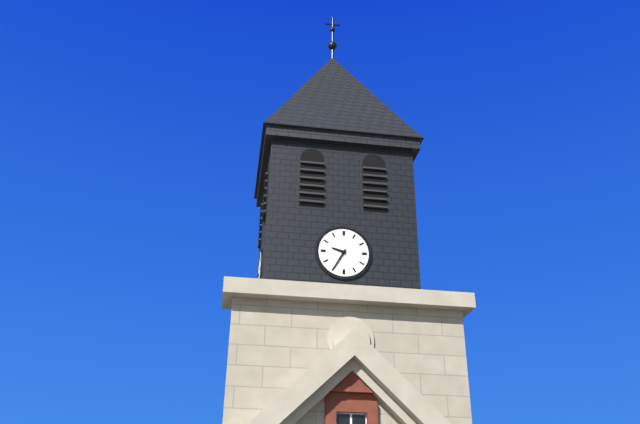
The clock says 9,35
